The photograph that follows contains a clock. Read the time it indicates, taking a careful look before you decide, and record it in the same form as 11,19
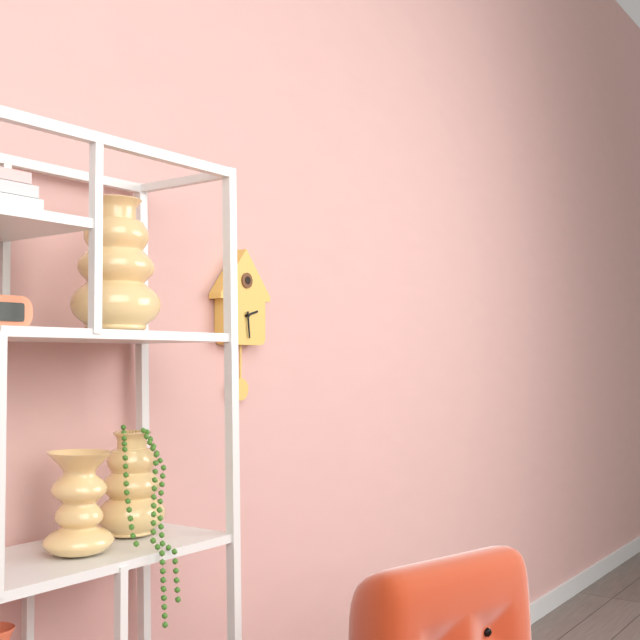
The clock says 2,29
